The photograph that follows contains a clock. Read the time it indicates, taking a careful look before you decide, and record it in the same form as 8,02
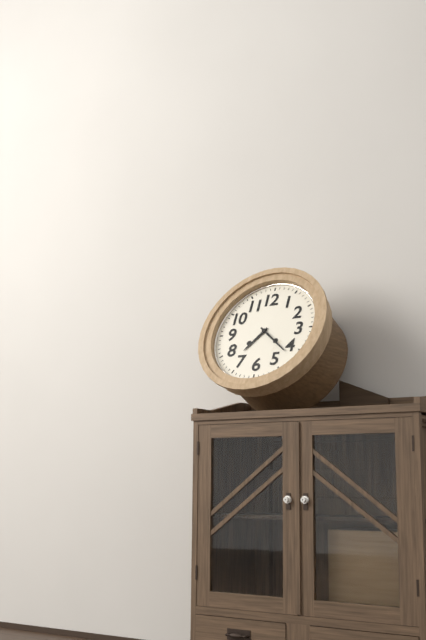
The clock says 7,22
